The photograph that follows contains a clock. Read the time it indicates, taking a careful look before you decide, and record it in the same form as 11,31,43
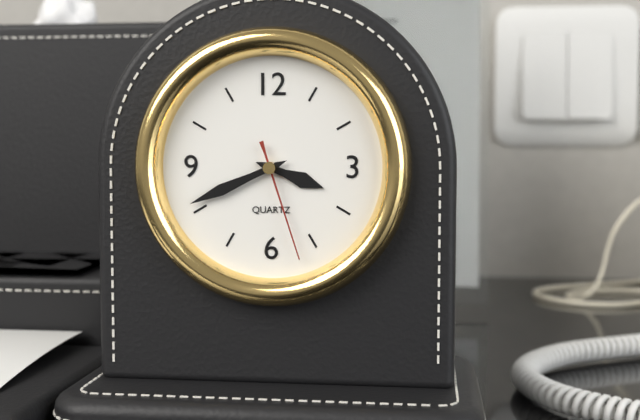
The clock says 3,41,27
